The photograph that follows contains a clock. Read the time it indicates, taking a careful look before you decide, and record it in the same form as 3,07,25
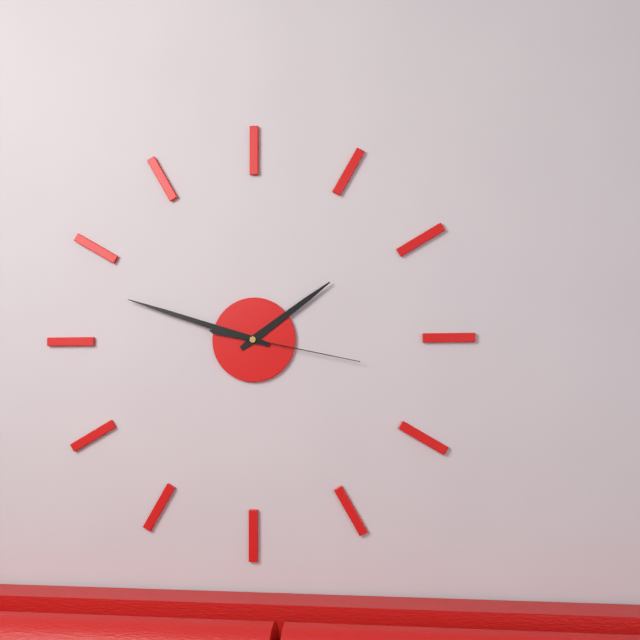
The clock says 1,48,17
